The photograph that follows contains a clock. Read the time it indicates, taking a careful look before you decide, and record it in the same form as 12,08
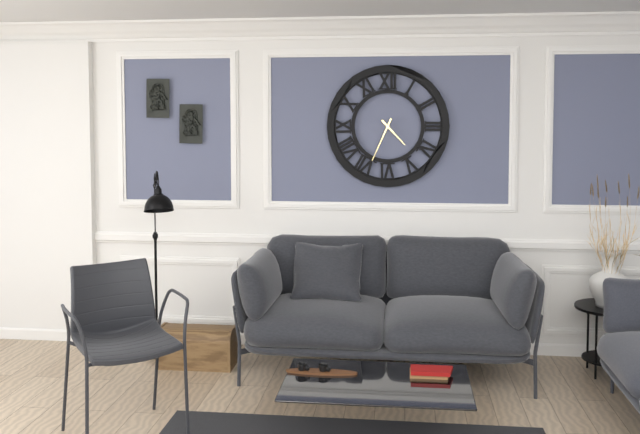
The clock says 4,34
